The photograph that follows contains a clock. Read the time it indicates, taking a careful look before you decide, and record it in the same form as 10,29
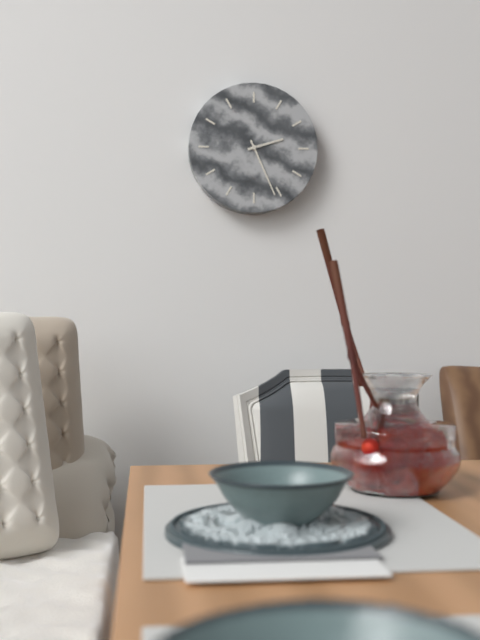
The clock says 2,26
